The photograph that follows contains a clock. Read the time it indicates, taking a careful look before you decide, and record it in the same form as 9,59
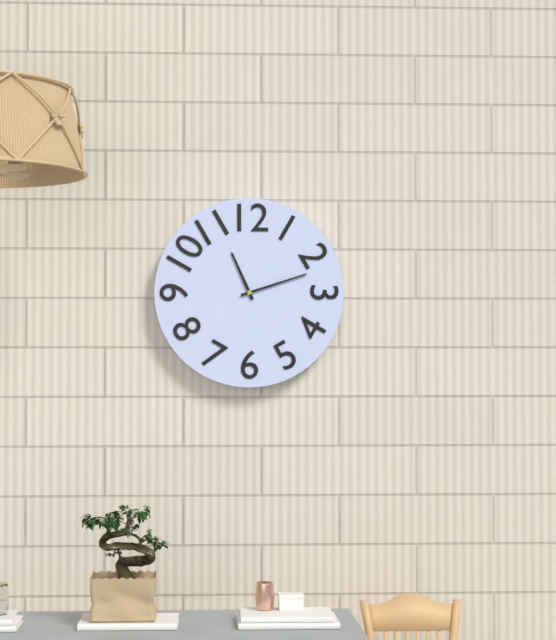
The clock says 11,12
